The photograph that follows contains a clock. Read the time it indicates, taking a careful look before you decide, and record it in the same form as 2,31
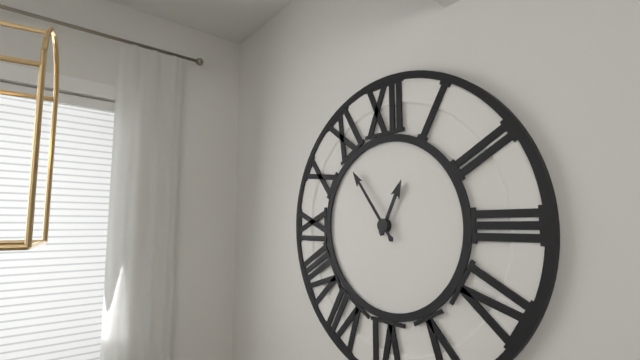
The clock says 12,54
